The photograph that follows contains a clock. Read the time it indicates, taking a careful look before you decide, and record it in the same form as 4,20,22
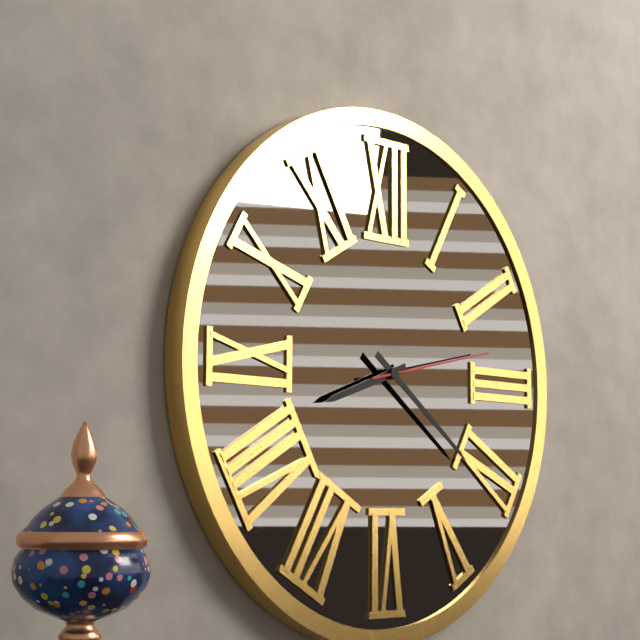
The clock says 8,21,13
